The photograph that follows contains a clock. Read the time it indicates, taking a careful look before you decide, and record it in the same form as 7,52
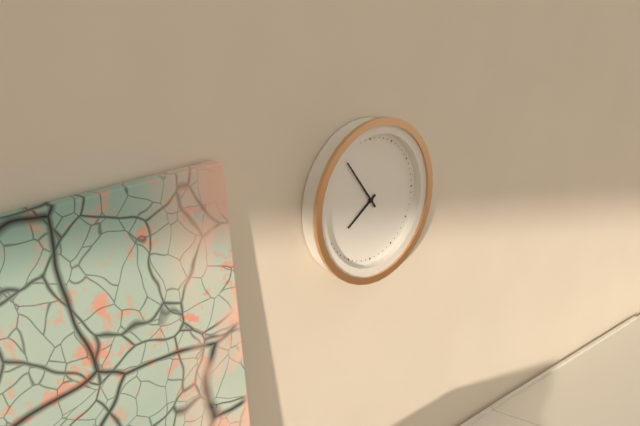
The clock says 7,54
